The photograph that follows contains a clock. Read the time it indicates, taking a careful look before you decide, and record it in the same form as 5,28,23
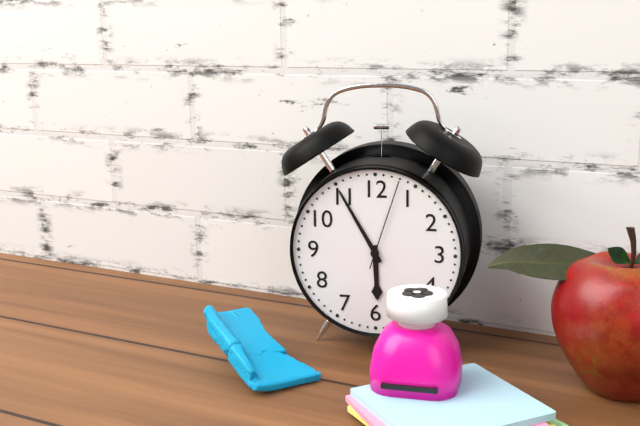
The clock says 5,55,03
